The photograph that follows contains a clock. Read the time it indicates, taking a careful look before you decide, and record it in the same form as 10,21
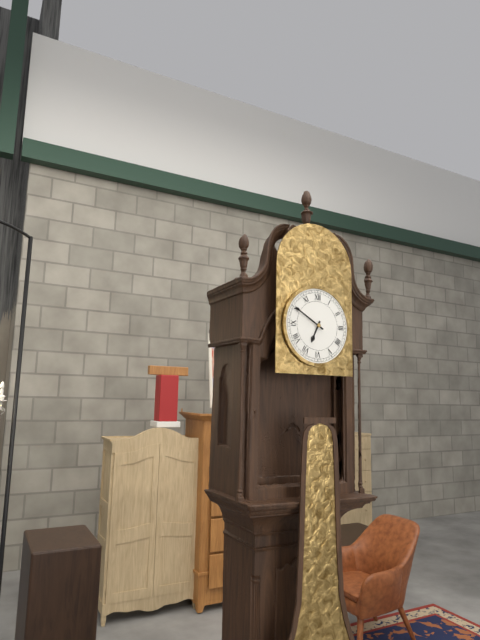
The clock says 6,50
